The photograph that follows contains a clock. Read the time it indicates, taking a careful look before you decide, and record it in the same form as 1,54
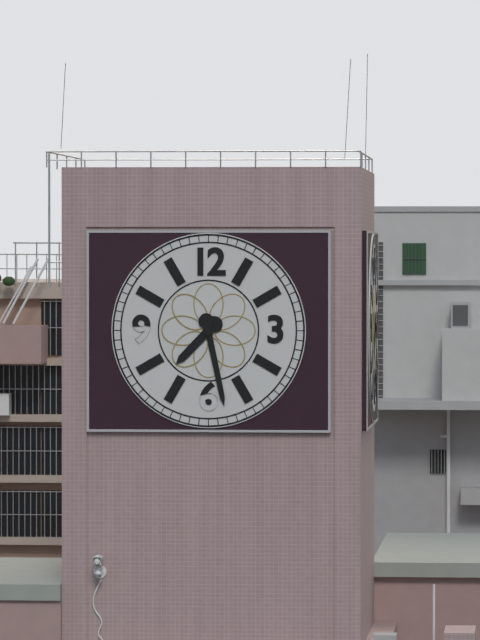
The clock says 7,28
